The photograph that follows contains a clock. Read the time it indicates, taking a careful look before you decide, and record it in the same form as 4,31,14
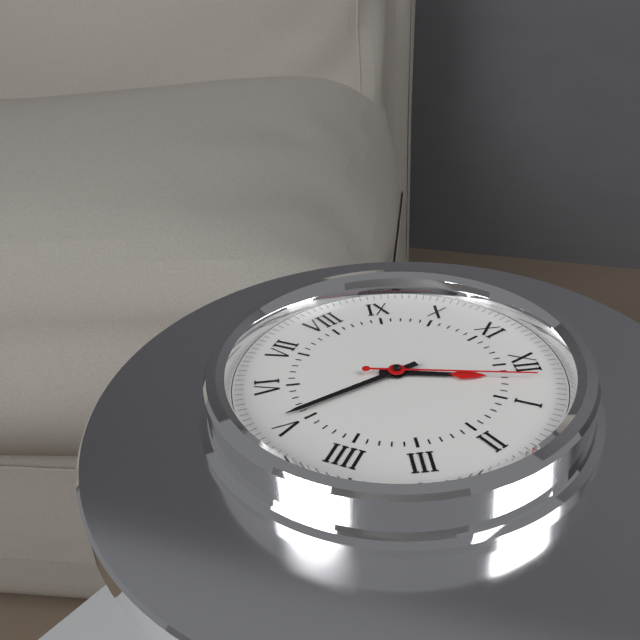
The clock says 12,26,02
